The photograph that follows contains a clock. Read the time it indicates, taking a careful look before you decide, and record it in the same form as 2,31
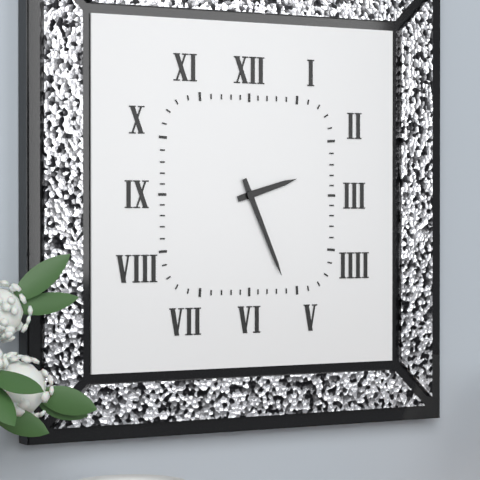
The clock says 2,26
